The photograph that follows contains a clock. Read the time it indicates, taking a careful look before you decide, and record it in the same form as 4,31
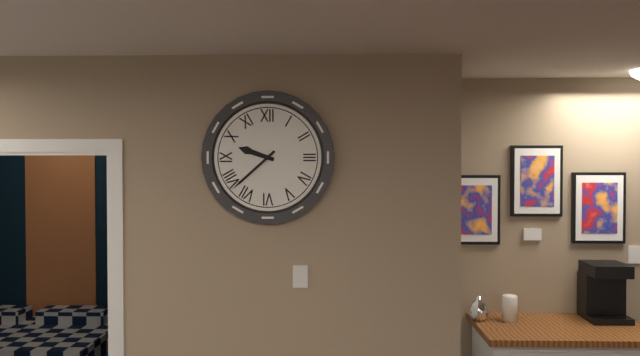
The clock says 9,38
